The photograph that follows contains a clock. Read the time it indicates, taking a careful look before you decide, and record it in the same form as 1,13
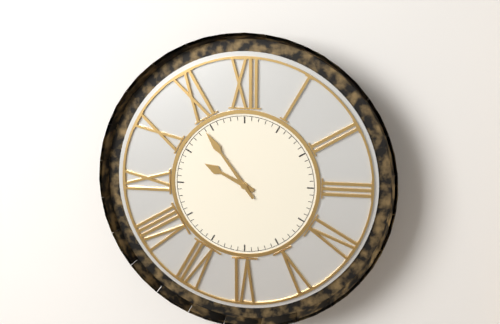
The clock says 9,54
